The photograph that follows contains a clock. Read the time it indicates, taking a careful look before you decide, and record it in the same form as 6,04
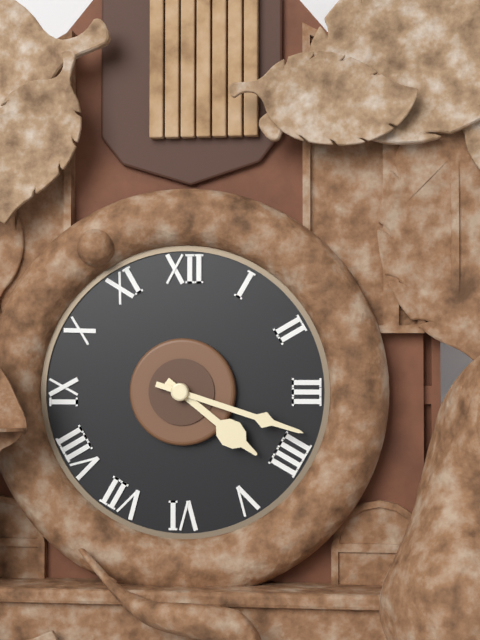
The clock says 4,18
